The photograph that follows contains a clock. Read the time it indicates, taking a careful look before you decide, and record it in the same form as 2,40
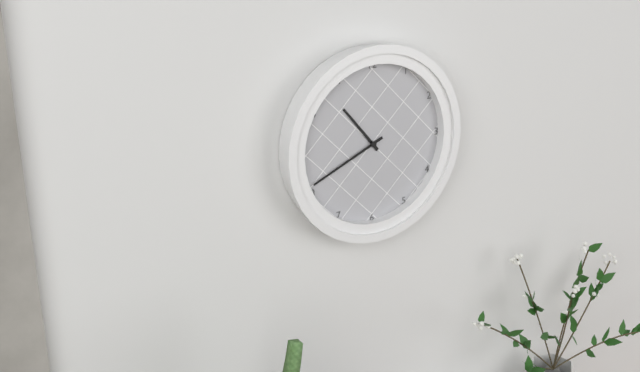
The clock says 10,41
